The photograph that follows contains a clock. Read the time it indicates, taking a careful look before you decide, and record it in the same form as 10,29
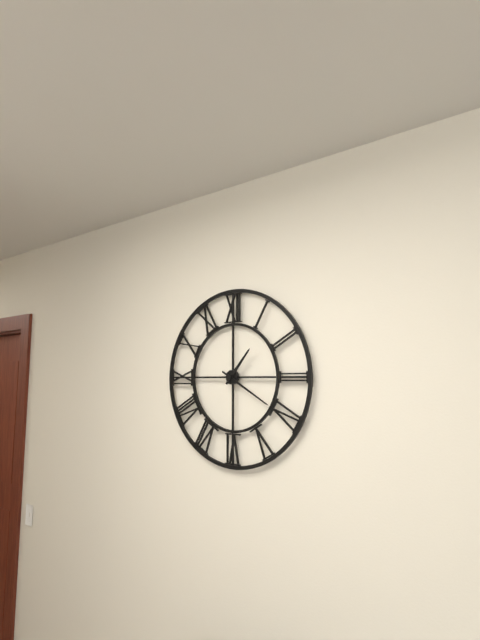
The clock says 1,20
